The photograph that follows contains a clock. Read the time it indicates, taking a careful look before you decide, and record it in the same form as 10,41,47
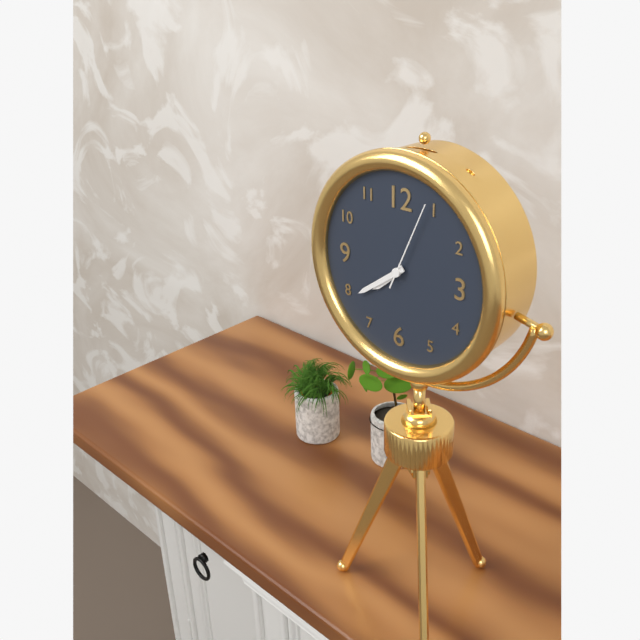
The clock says 7,39,04
